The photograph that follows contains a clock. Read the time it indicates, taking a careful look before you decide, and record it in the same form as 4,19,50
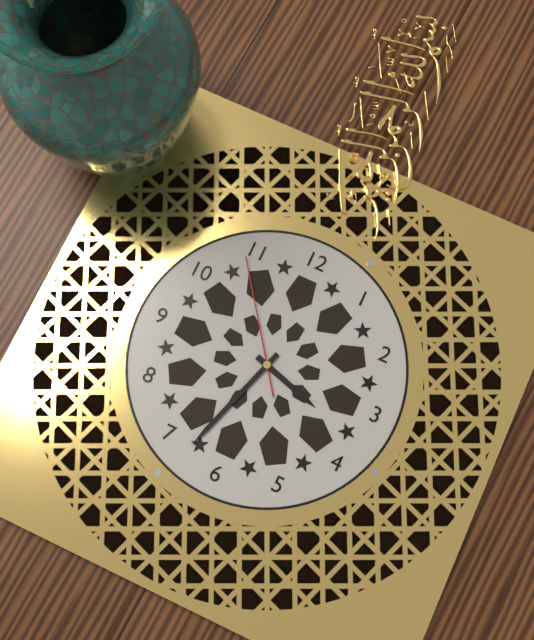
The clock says 3,33,54
